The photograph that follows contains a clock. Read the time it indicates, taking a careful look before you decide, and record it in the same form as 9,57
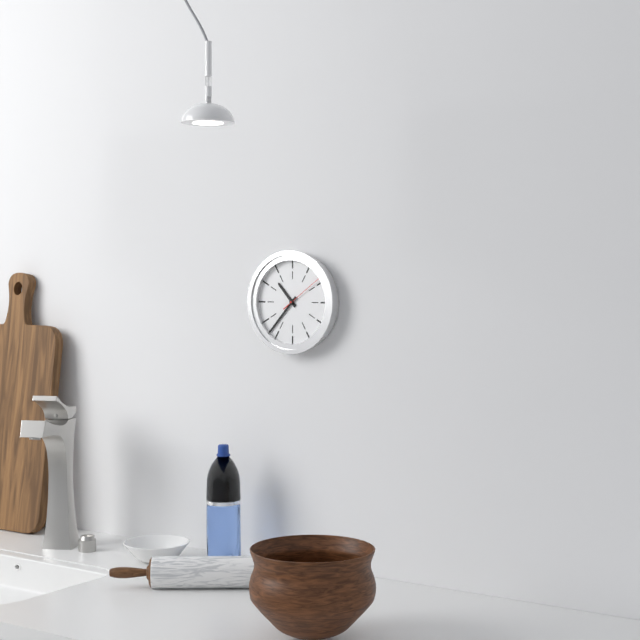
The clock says 10,37
